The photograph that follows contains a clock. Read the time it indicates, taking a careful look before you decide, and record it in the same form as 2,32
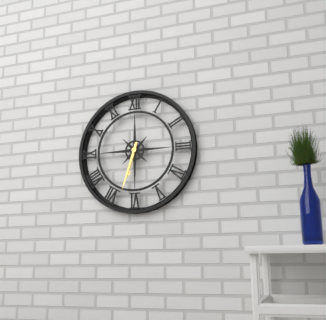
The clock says 6,33
